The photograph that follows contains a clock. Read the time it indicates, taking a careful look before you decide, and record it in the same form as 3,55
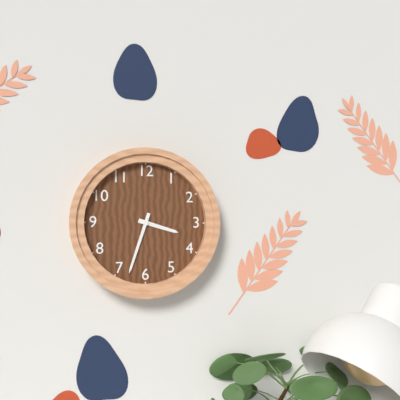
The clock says 3,33
